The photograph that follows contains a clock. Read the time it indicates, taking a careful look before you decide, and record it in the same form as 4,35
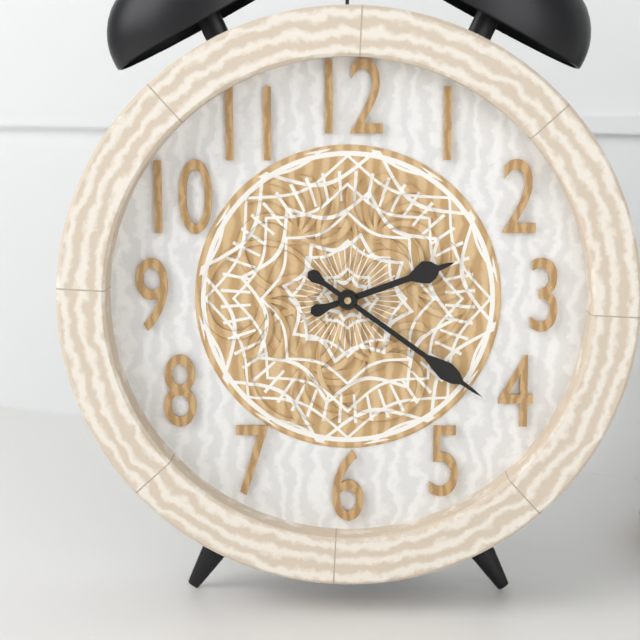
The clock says 2,21
